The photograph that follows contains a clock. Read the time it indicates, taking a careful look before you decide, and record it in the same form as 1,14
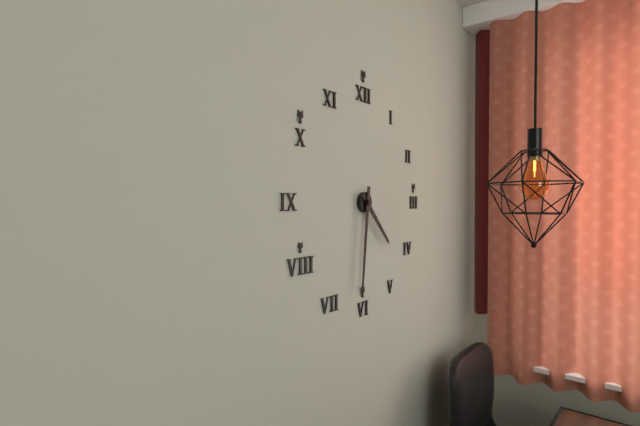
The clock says 4,31
